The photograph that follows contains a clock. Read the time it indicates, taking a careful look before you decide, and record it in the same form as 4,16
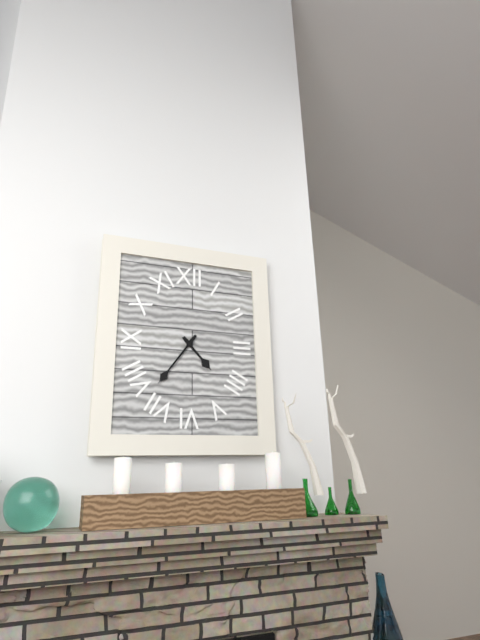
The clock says 4,36
